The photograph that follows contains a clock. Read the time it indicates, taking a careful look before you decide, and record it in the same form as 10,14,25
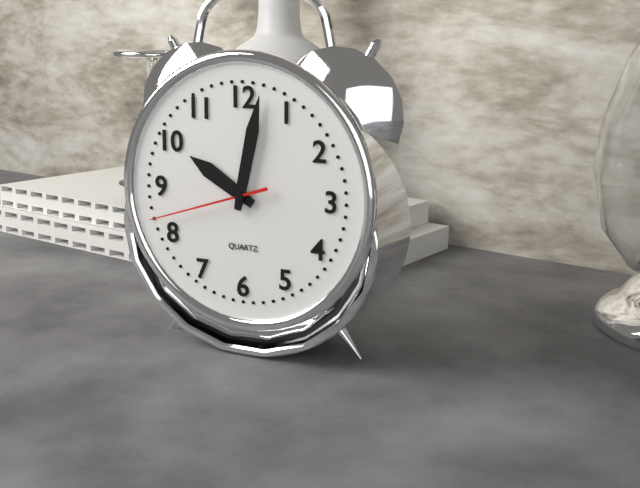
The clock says 10,02,42
